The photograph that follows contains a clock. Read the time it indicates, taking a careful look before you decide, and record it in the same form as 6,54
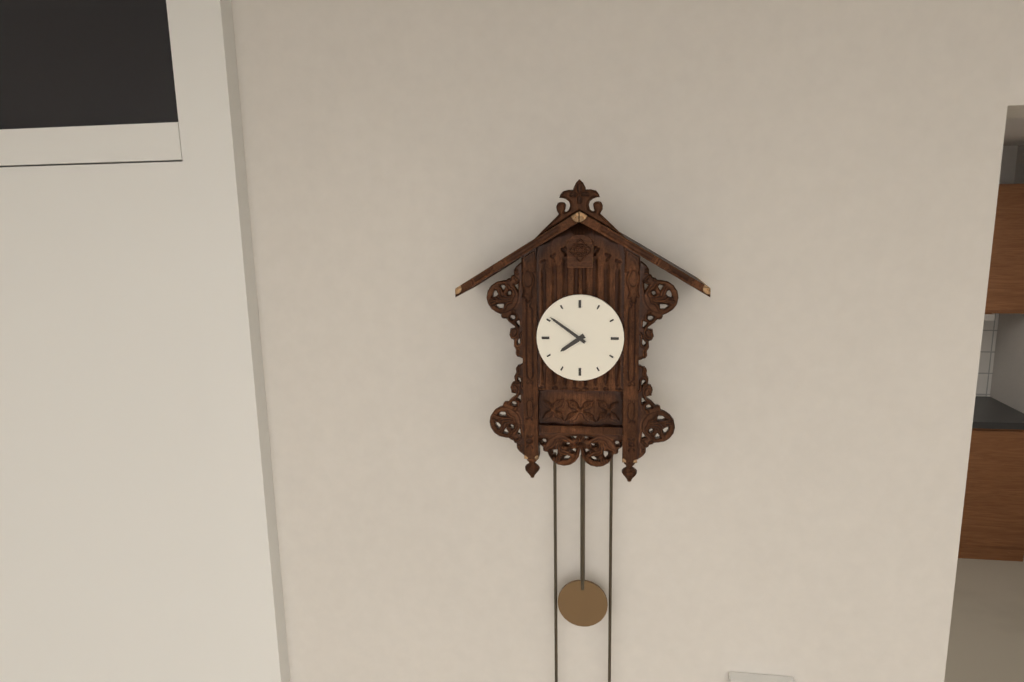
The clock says 7,51
